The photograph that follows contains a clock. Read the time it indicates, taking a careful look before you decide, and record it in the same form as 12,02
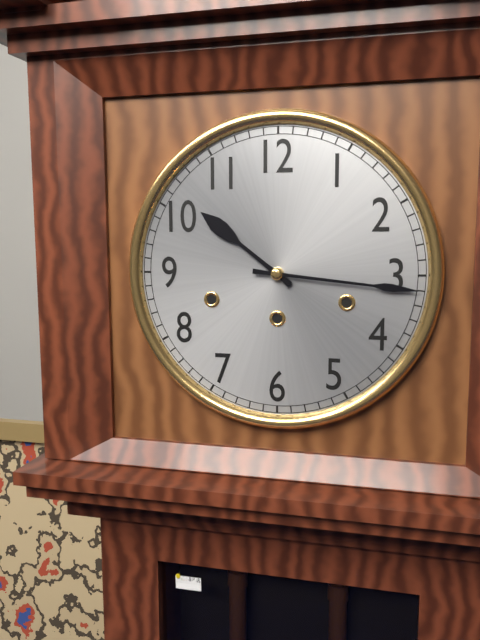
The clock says 10,16
